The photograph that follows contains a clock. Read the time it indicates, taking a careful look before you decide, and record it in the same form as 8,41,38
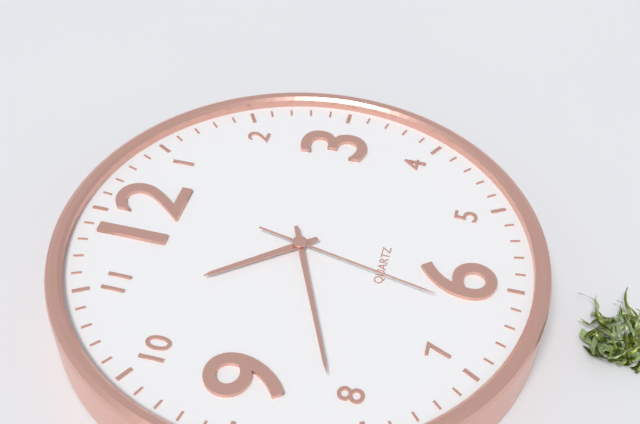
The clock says 10,41,32
